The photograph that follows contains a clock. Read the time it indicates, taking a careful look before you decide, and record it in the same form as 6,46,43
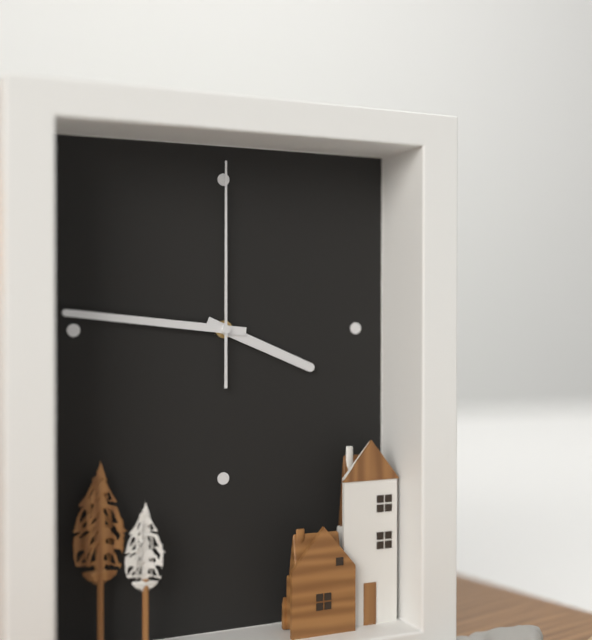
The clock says 3,46,00
